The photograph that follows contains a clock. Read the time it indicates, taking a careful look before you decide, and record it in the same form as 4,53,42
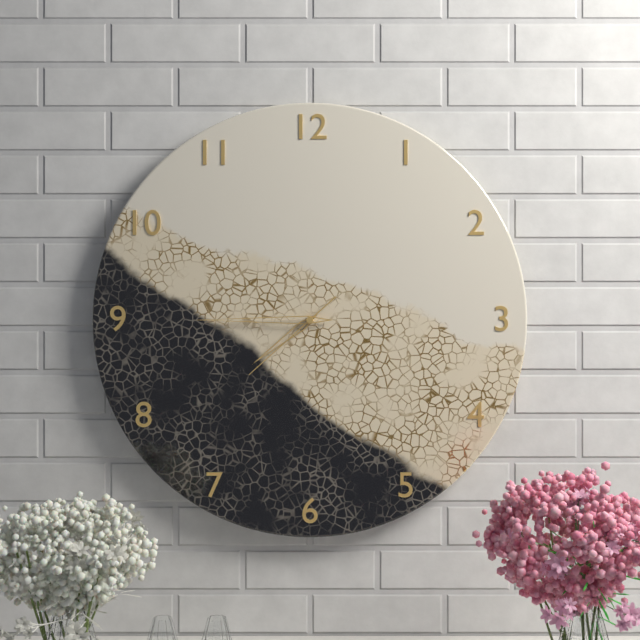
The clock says 7,45,38
